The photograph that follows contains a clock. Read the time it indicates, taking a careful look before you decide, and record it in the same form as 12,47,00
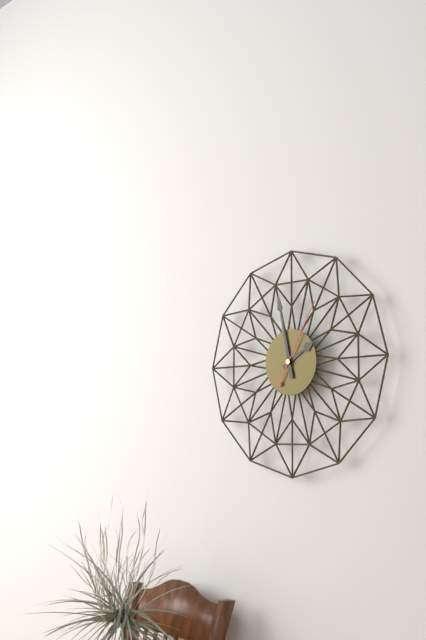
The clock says 1,58,05
